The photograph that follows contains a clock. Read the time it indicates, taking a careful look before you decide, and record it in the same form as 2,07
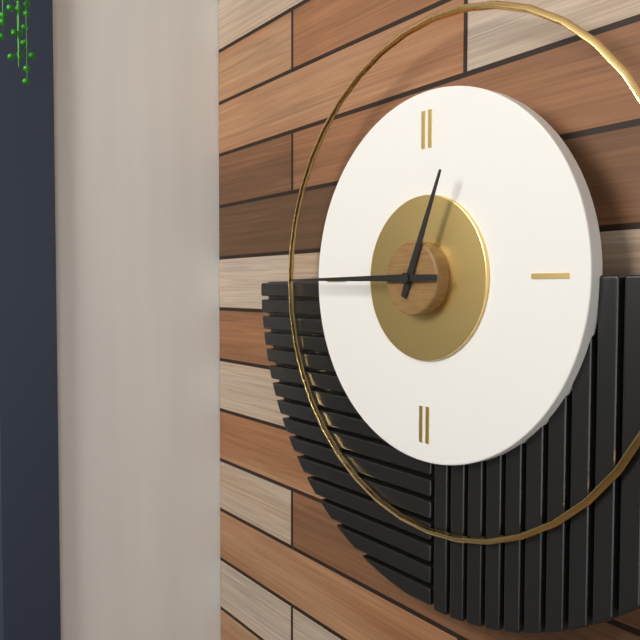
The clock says 12,45
